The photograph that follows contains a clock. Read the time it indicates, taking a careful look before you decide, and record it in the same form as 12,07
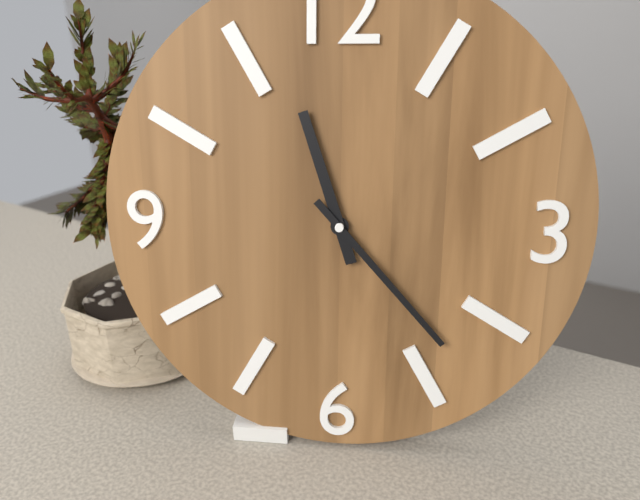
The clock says 11,23
